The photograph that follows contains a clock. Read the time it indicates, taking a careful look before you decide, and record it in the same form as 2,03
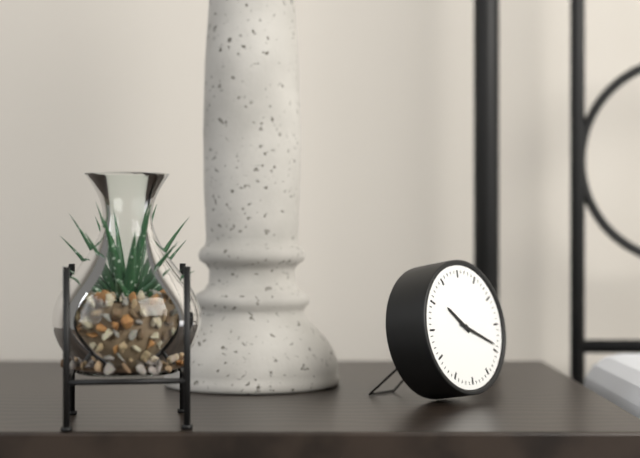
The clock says 10,19
